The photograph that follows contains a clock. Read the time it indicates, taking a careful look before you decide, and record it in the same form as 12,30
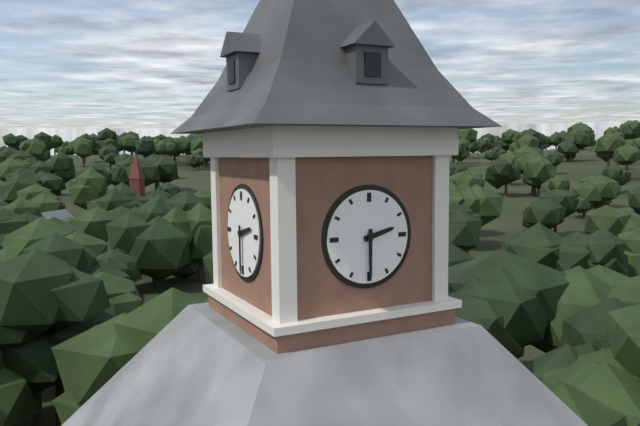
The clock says 2,30
